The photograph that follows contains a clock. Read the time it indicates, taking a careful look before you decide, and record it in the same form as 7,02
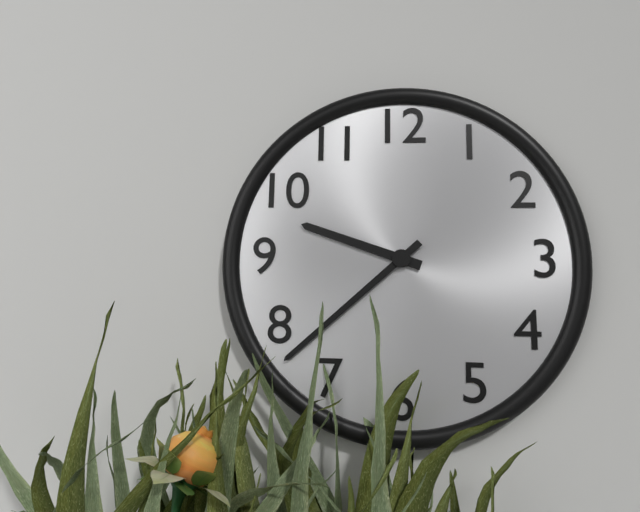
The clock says 9,38
